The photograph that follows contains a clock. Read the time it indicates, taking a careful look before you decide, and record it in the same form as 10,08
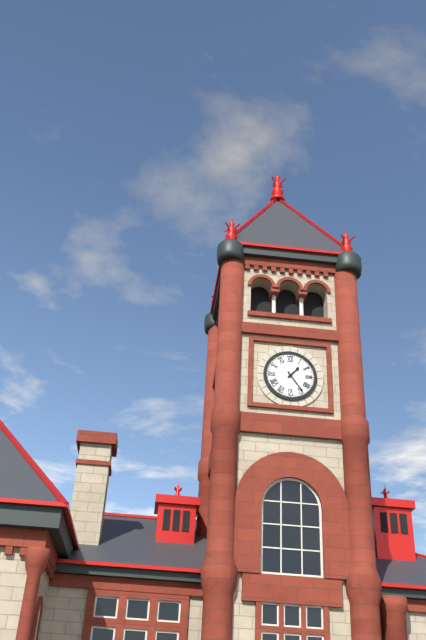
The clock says 1,24
